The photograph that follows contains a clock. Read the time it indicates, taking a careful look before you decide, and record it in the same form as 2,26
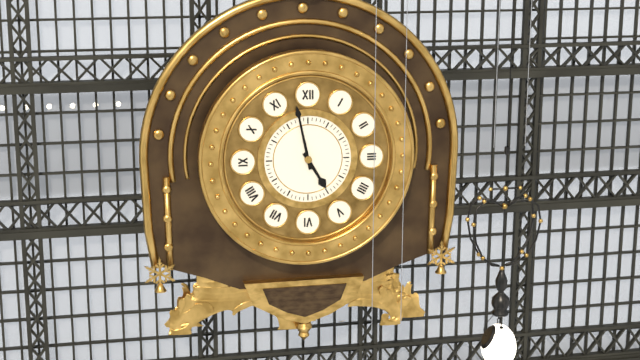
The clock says 4,58
